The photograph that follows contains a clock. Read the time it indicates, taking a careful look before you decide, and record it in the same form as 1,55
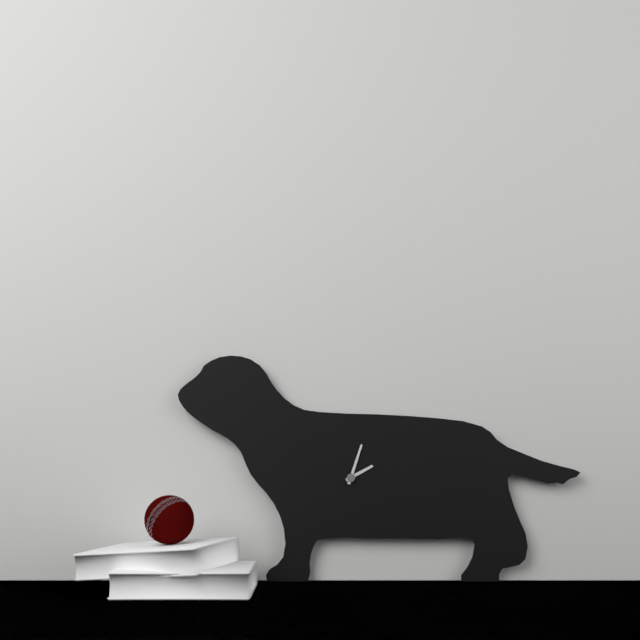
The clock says 2,03
